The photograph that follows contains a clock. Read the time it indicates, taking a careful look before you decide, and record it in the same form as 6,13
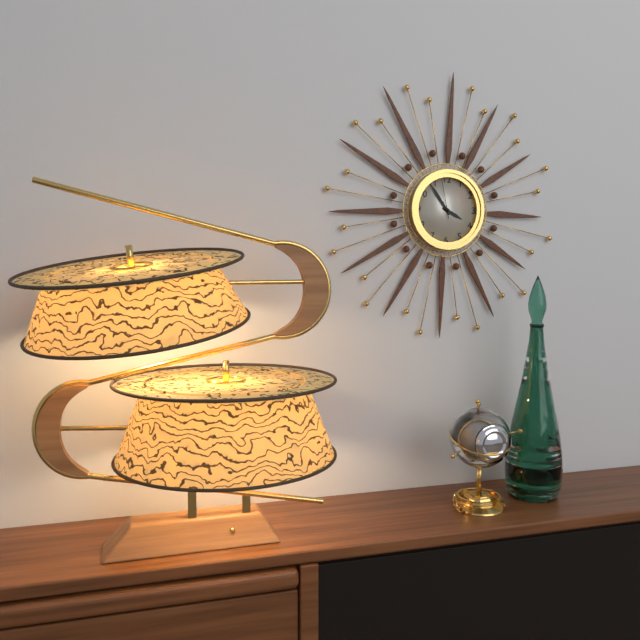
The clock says 3,54
